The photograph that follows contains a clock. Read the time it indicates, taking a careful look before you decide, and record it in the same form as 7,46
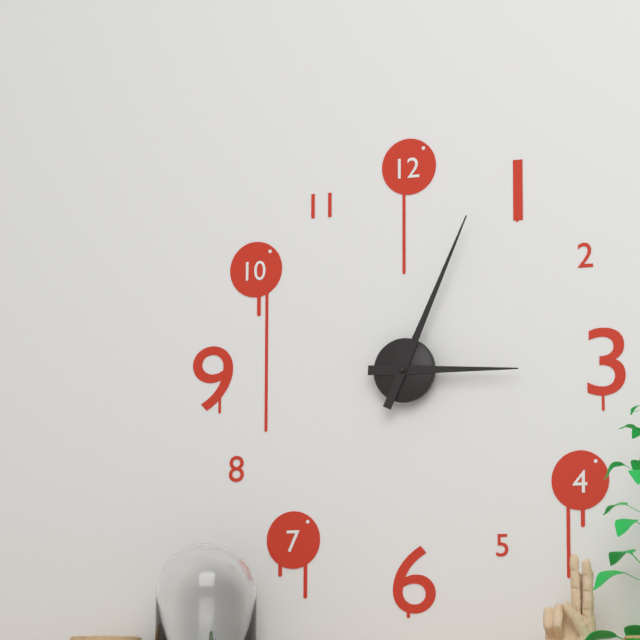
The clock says 3,04
